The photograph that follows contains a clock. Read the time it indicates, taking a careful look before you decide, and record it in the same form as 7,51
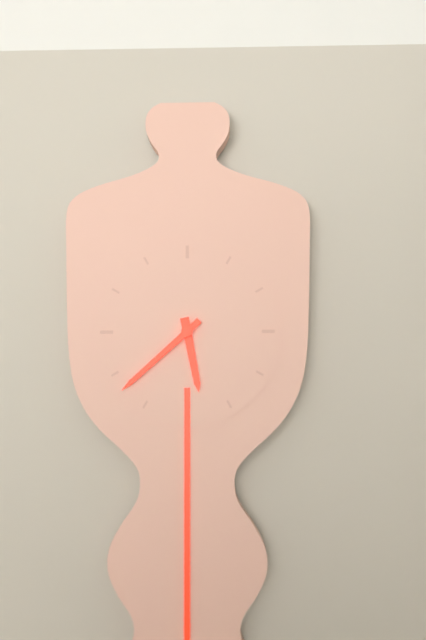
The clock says 5,38
